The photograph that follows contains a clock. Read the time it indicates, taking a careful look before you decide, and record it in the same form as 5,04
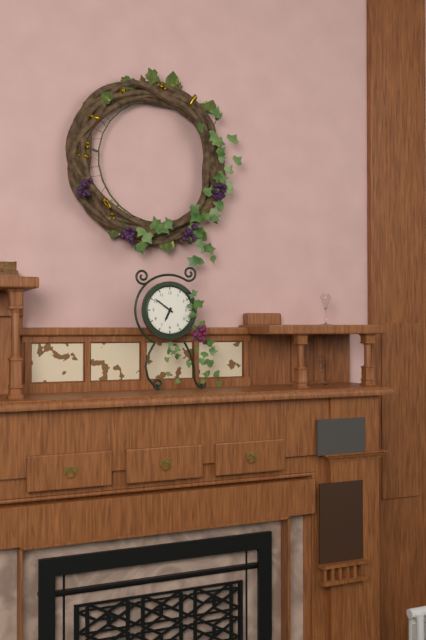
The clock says 6,51
